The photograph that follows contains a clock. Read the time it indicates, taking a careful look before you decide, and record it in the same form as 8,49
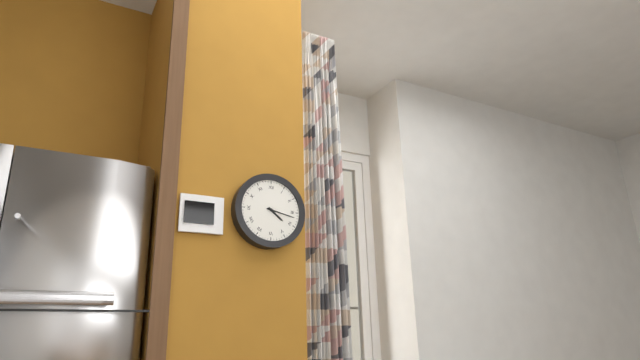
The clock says 4,17
